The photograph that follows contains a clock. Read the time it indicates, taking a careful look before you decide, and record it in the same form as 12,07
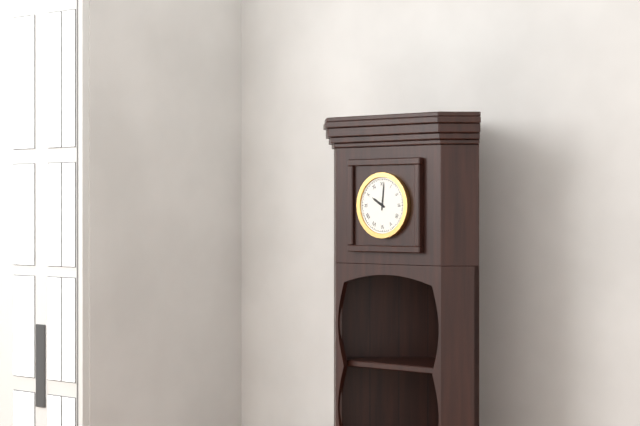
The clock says 10,01
